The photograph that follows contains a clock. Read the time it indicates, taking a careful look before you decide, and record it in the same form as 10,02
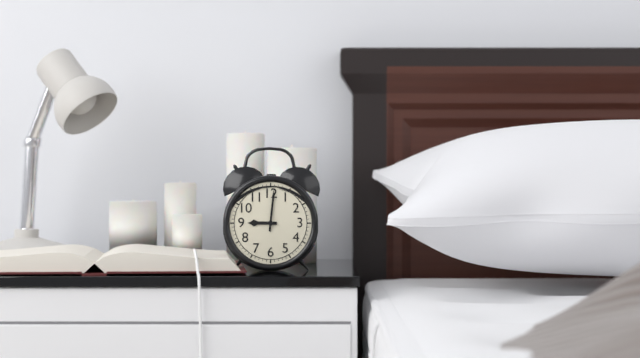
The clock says 9,01
